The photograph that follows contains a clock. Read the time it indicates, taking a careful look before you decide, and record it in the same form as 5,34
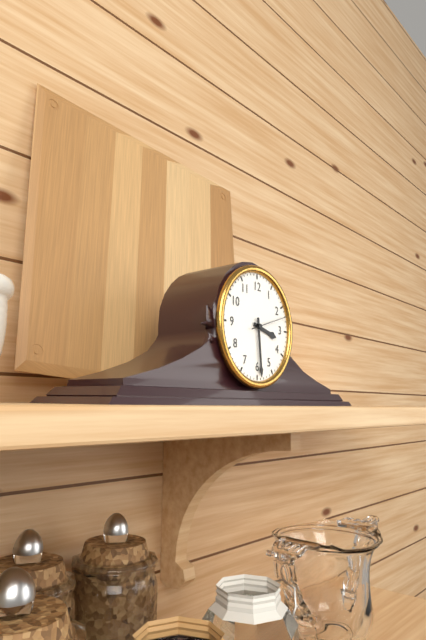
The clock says 3,29
